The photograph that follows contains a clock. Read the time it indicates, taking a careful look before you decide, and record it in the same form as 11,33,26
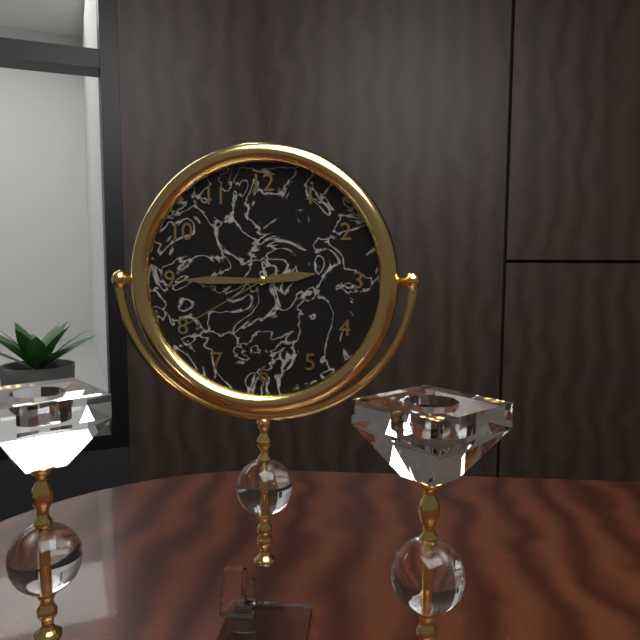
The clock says 2,45,40
